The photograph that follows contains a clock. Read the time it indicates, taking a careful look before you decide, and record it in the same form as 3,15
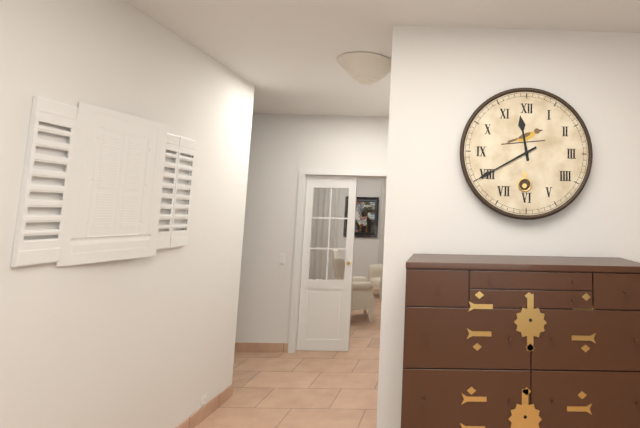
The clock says 11,40
